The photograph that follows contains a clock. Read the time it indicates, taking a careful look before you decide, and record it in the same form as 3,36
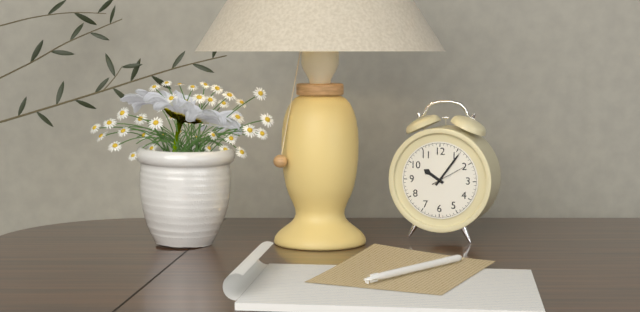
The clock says 10,06
